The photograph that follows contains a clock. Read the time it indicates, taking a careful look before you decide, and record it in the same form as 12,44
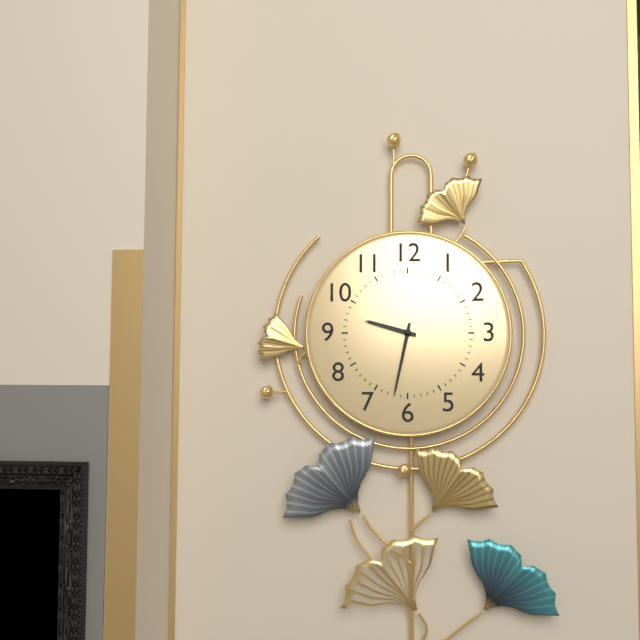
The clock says 9,32
